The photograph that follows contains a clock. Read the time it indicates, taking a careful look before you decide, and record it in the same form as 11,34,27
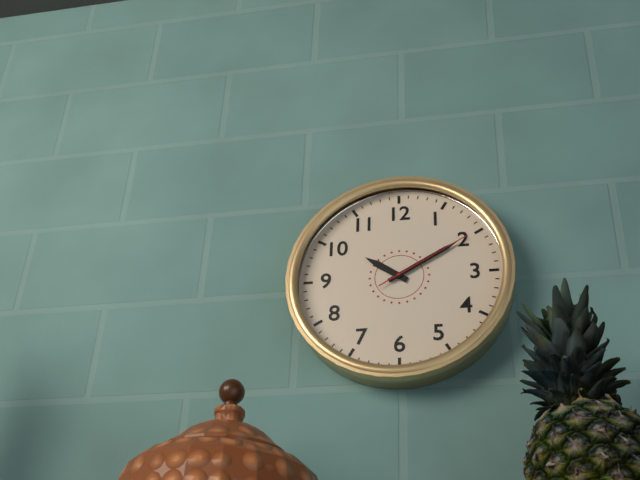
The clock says 10,10,10
